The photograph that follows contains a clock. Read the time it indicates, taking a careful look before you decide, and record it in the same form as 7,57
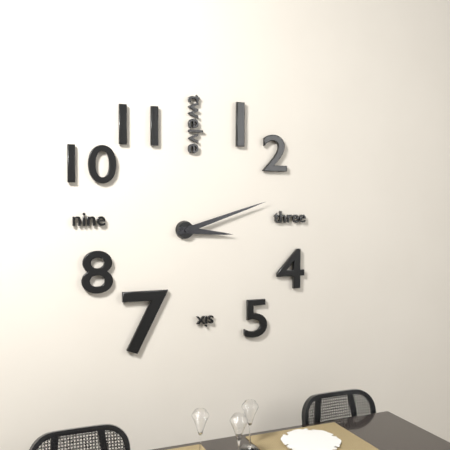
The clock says 3,12
